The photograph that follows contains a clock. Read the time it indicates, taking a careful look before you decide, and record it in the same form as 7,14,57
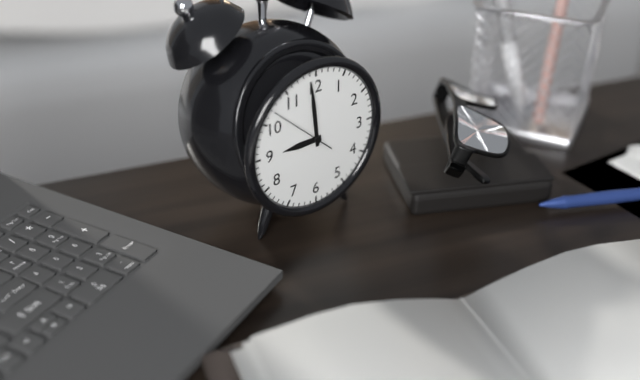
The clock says 8,59,52
